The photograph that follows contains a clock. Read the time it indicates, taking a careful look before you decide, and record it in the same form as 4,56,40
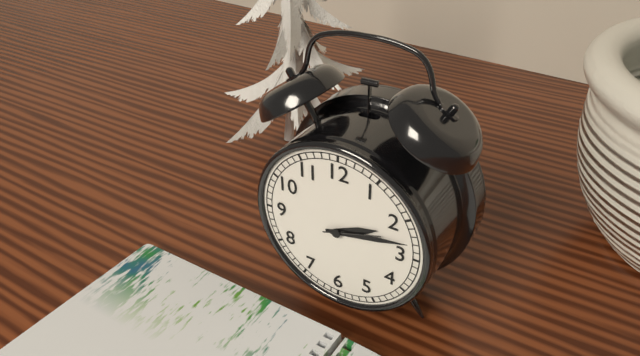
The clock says 2,13,12
